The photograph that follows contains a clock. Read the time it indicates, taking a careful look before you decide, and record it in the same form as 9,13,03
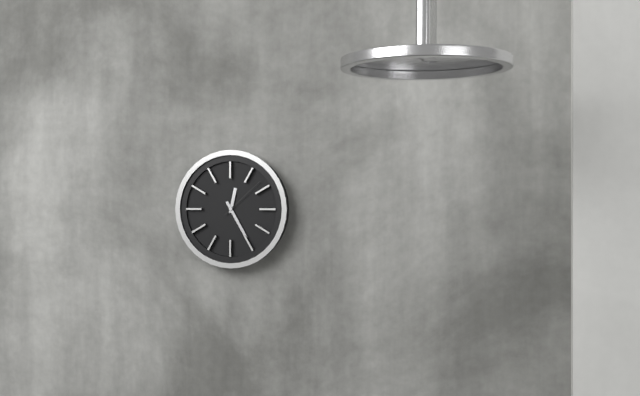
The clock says 12,25,08
